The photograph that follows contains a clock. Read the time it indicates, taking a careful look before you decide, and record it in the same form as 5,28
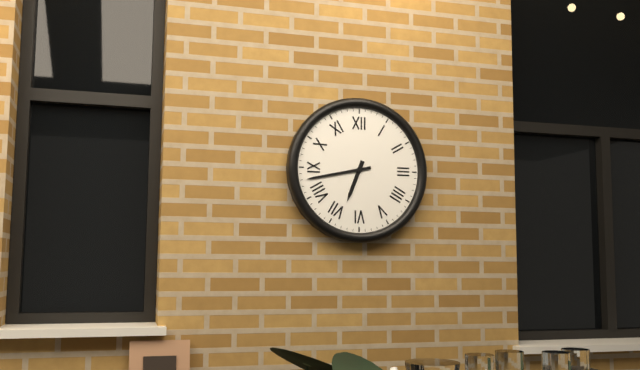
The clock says 6,43
